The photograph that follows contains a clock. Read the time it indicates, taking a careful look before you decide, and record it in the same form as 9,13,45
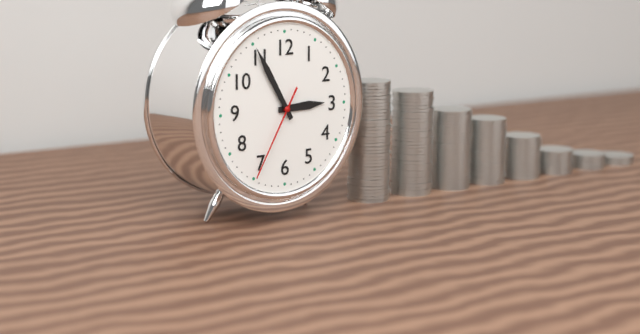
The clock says 2,55,35
